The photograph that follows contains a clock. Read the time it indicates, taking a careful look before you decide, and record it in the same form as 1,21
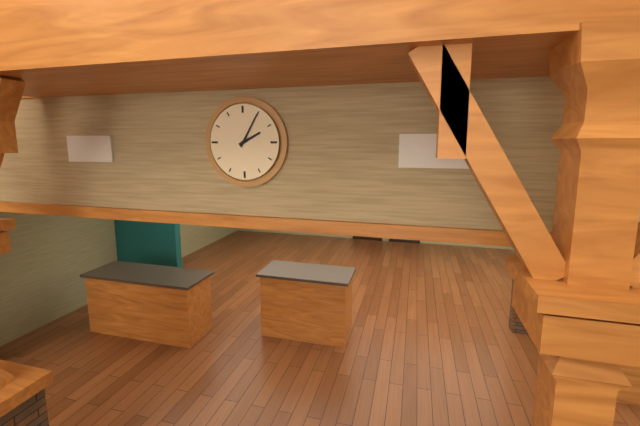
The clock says 2,05
